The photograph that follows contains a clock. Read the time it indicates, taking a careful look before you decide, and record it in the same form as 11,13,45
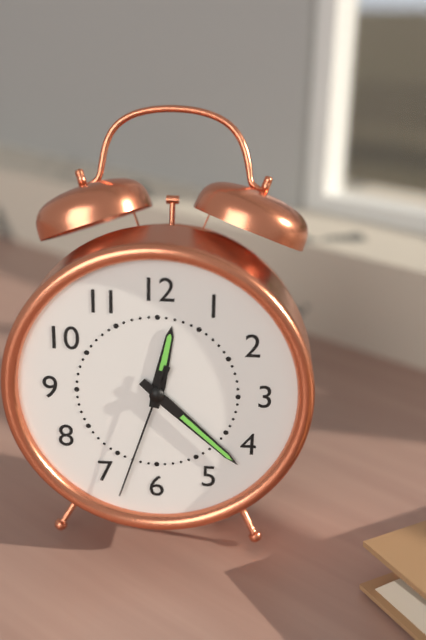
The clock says 12,22,33
